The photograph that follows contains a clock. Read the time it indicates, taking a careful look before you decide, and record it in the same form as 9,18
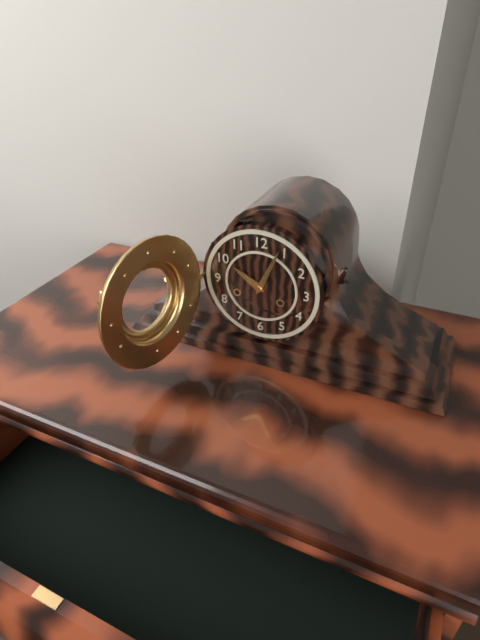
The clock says 10,04
